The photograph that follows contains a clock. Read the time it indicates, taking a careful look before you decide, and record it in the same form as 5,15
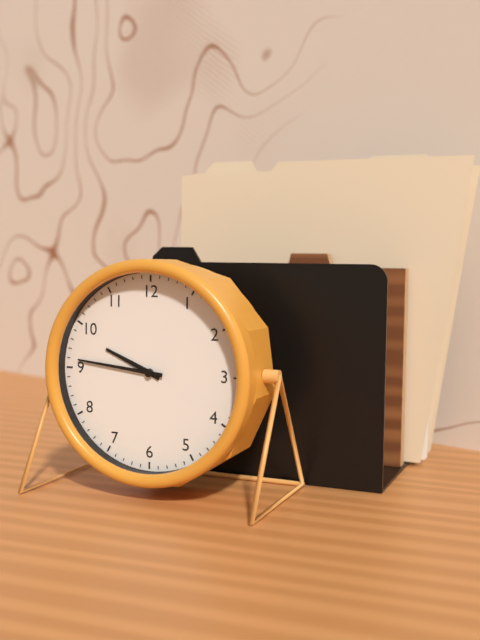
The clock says 9,46
